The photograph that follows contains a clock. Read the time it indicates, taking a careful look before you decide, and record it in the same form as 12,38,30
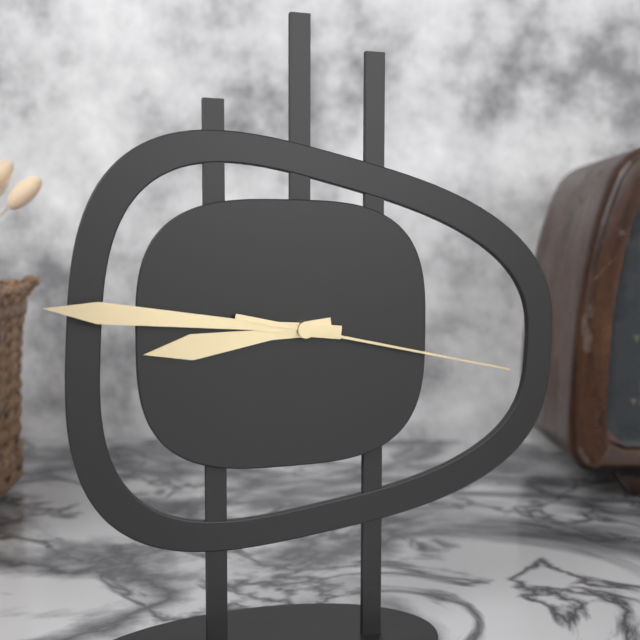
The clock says 8,46,17
